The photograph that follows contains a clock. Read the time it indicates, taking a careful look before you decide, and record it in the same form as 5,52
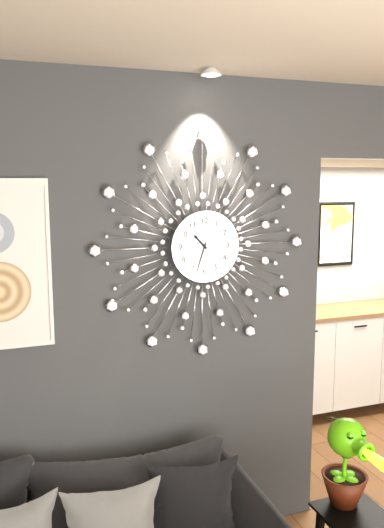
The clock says 10,33
